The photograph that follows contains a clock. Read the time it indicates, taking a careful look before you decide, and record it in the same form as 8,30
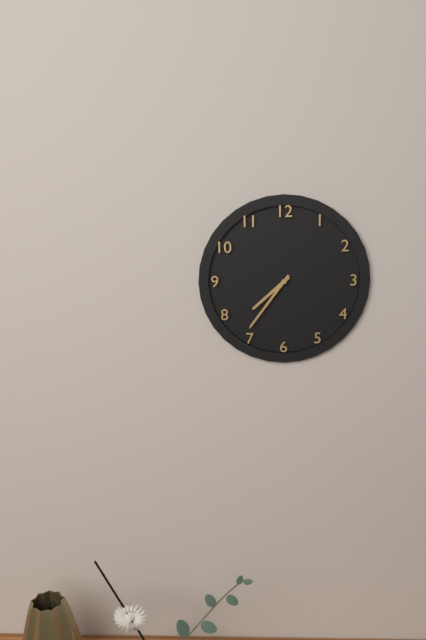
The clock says 7,36
